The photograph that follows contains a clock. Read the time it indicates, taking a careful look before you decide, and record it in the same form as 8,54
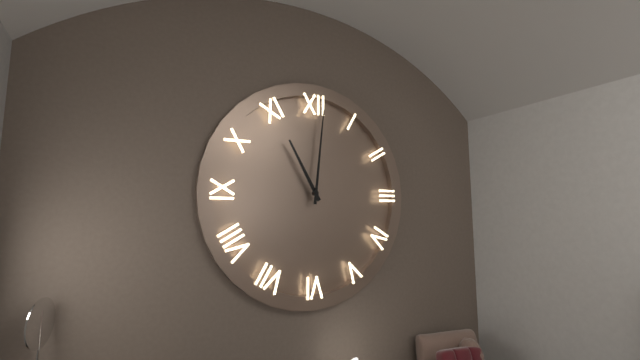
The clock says 11,01
